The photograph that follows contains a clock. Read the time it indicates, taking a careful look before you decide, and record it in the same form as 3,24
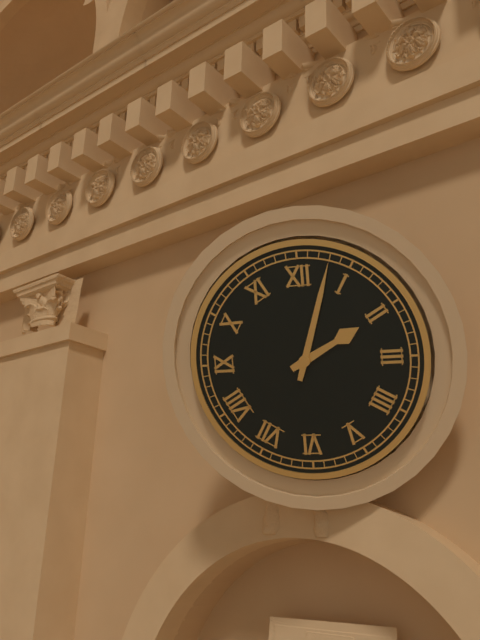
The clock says 2,03
